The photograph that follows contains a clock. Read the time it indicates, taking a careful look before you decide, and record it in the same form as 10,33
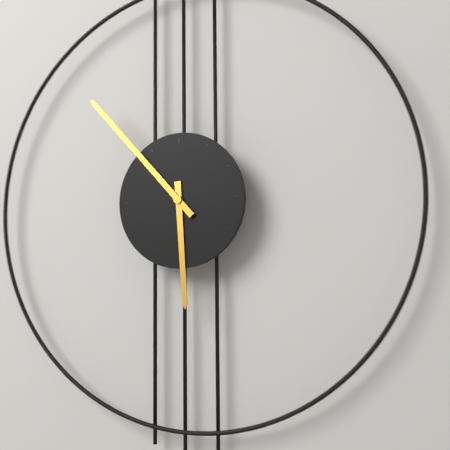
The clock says 5,53
